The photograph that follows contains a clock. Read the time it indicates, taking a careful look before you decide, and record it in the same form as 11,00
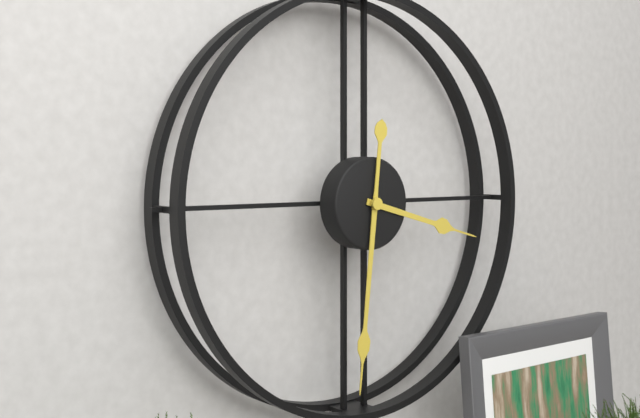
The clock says 3,31
